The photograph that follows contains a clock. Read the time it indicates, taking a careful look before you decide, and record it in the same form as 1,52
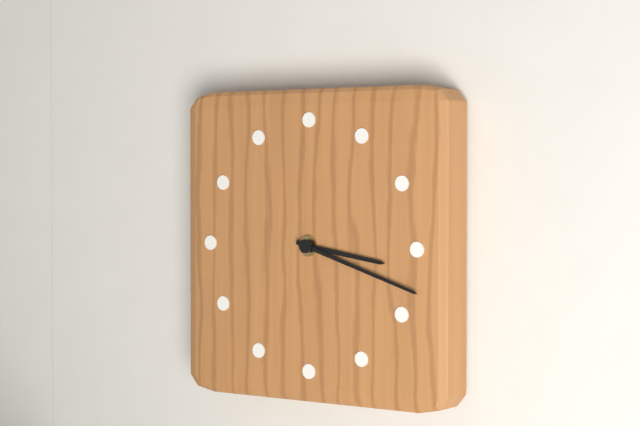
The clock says 3,18
